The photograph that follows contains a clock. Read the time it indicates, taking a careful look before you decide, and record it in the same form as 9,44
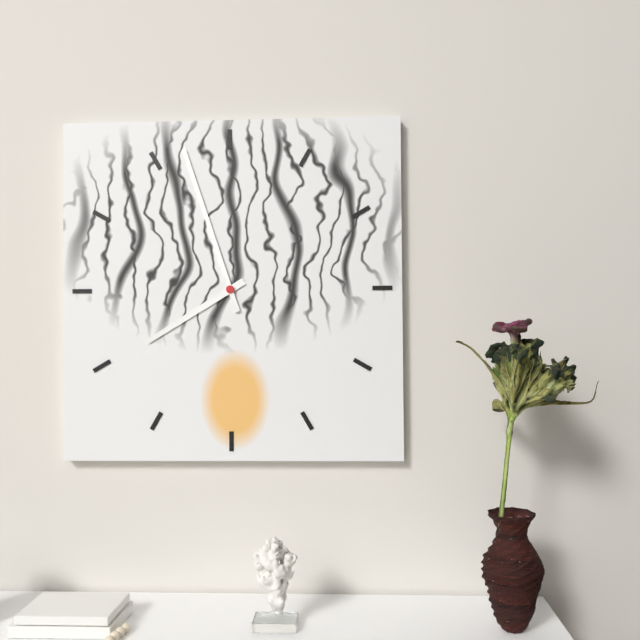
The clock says 7,57
